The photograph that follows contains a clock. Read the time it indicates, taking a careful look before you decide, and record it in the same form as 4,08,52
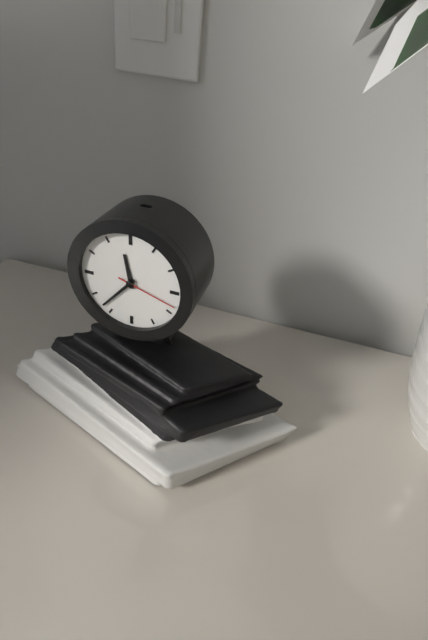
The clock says 11,37,18
